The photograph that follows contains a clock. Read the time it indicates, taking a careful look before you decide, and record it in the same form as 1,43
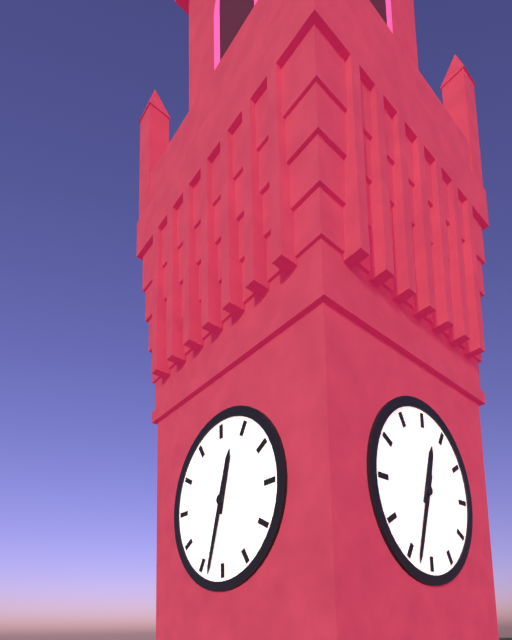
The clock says 12,33
